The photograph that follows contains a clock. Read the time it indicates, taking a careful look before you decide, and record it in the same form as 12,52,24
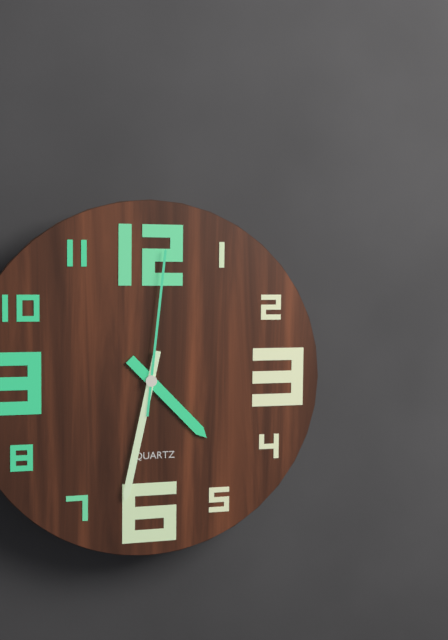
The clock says 4,32,01
